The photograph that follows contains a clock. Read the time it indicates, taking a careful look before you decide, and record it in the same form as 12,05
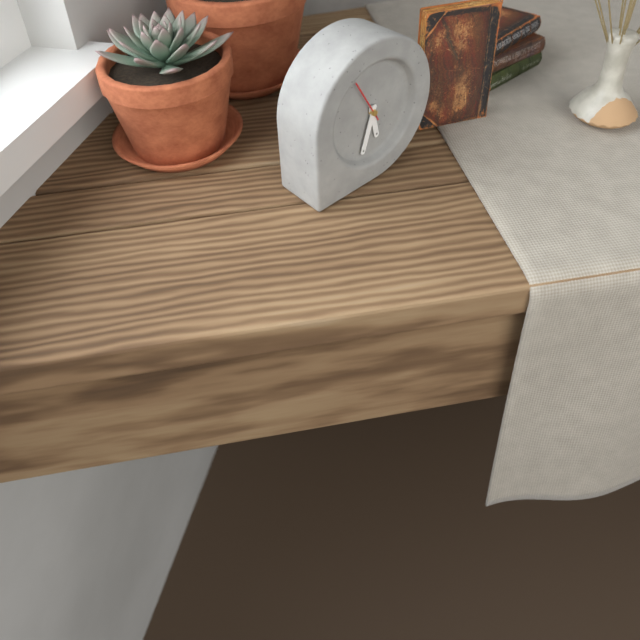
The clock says 5,33
